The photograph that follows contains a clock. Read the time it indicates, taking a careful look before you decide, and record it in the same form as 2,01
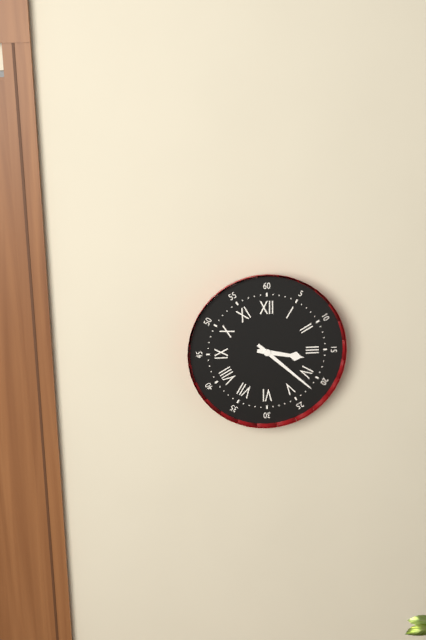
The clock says 3,22
